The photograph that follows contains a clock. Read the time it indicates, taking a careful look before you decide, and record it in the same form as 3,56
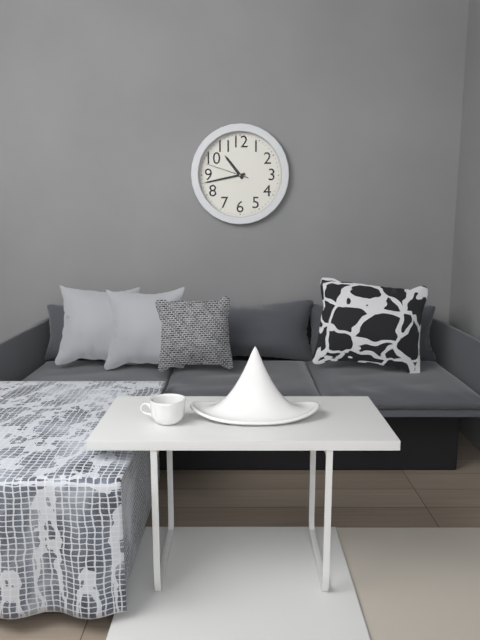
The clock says 10,43
